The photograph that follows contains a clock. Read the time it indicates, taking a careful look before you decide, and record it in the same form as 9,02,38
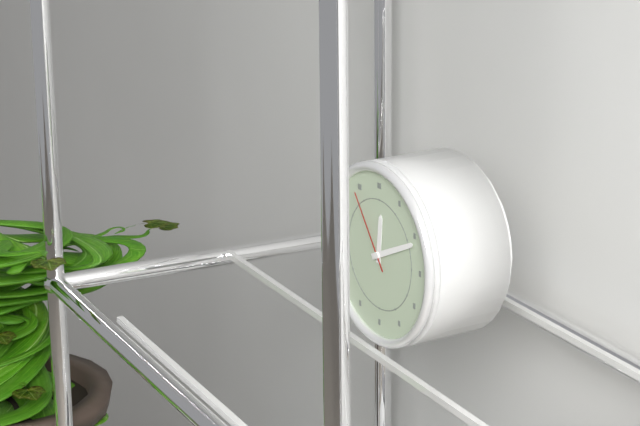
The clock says 12,11,54
